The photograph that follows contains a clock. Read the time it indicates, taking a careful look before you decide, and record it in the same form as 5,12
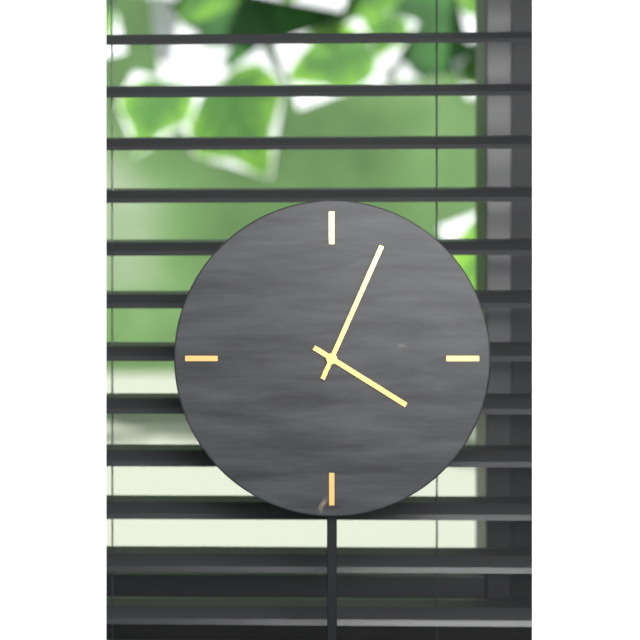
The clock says 4,04
